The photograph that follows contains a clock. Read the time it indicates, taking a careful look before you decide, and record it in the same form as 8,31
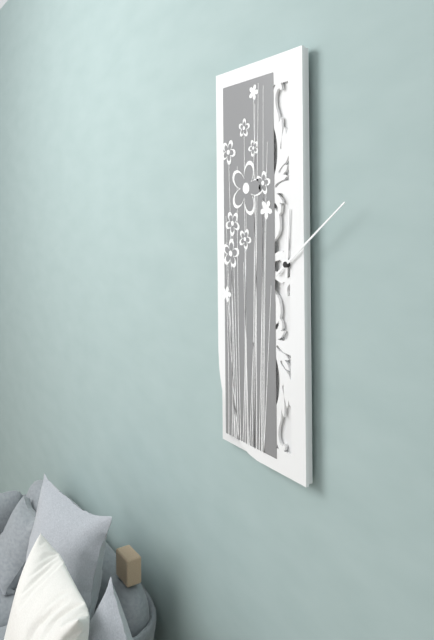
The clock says 12,09
